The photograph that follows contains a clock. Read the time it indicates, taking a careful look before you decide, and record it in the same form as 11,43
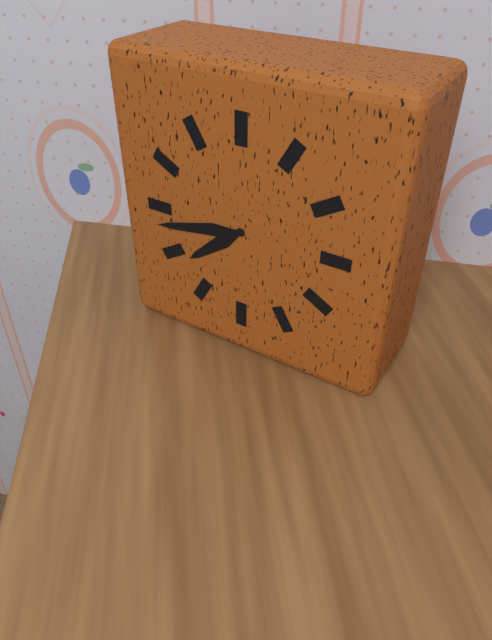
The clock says 7,43
